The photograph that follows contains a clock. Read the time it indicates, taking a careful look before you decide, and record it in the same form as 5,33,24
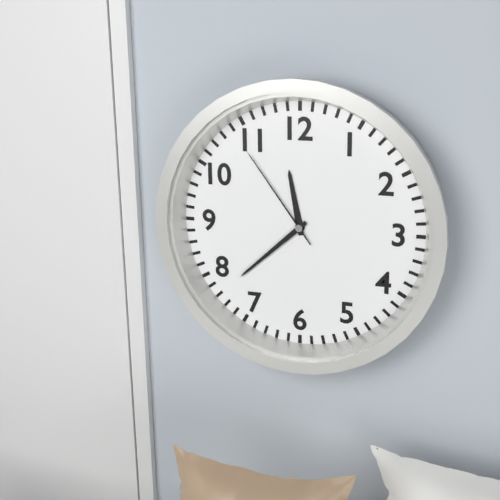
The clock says 11,38,54
